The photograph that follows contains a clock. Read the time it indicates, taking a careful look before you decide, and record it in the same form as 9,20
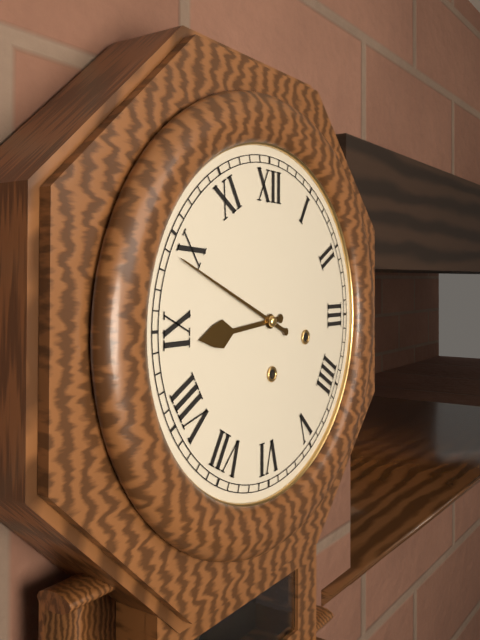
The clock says 8,49
